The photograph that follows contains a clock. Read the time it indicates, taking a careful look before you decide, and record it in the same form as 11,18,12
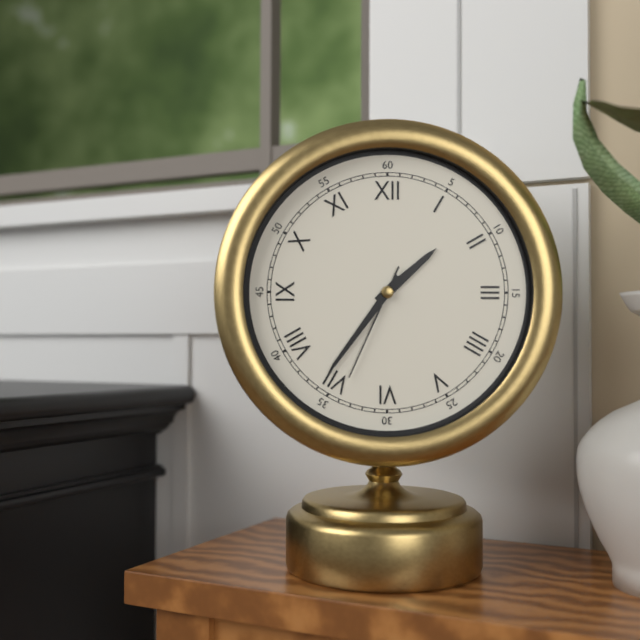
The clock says 1,36,34
